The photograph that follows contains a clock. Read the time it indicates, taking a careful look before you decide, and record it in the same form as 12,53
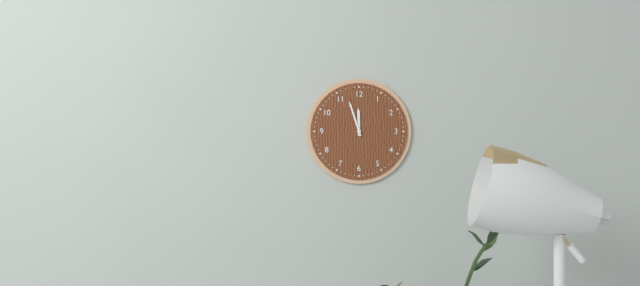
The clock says 11,57
